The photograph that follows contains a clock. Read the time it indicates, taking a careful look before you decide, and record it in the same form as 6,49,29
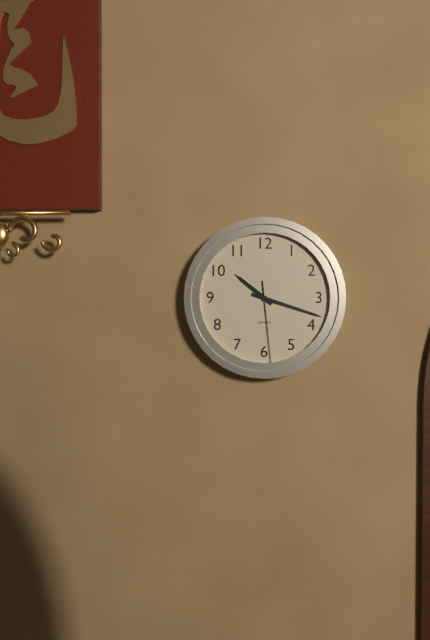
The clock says 10,18,29
